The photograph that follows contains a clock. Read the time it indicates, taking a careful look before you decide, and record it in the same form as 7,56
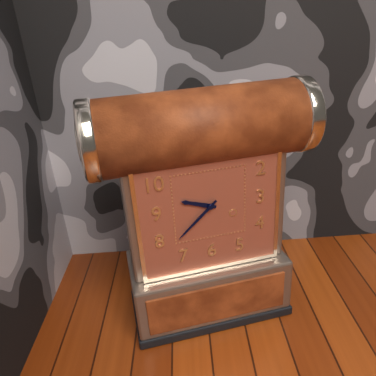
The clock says 9,38
